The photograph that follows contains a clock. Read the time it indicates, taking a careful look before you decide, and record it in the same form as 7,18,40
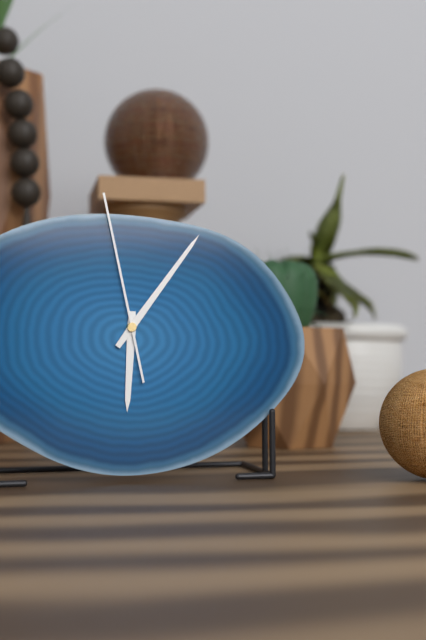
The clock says 6,06,58
